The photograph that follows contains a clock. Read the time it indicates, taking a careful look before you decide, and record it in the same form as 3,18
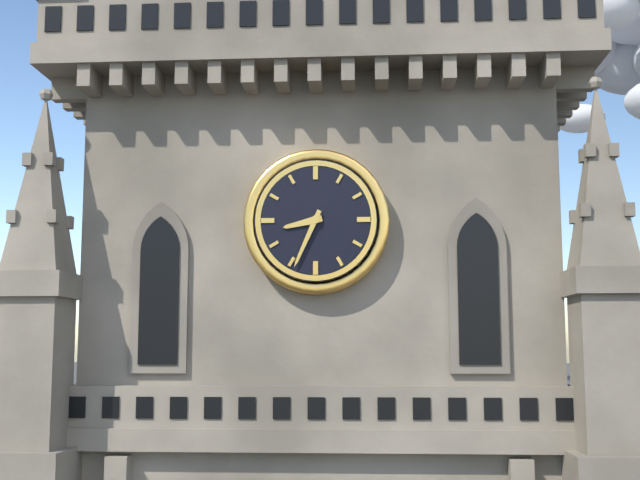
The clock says 8,34
